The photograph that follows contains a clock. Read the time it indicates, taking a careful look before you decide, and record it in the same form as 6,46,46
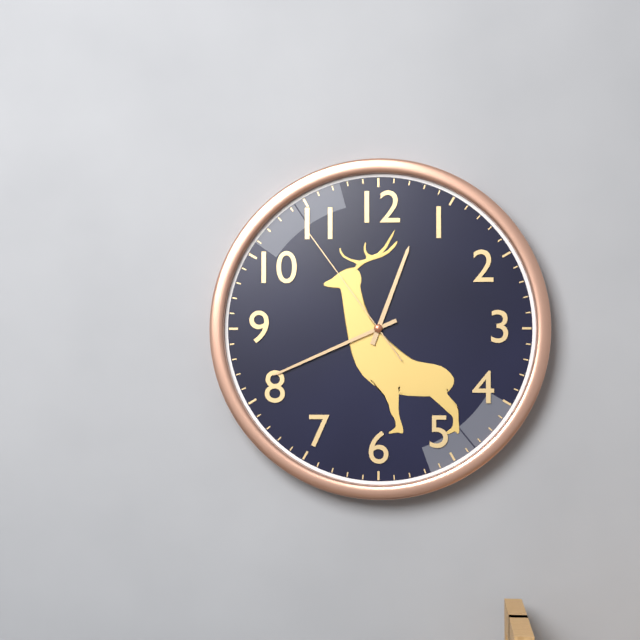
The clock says 12,41,54
